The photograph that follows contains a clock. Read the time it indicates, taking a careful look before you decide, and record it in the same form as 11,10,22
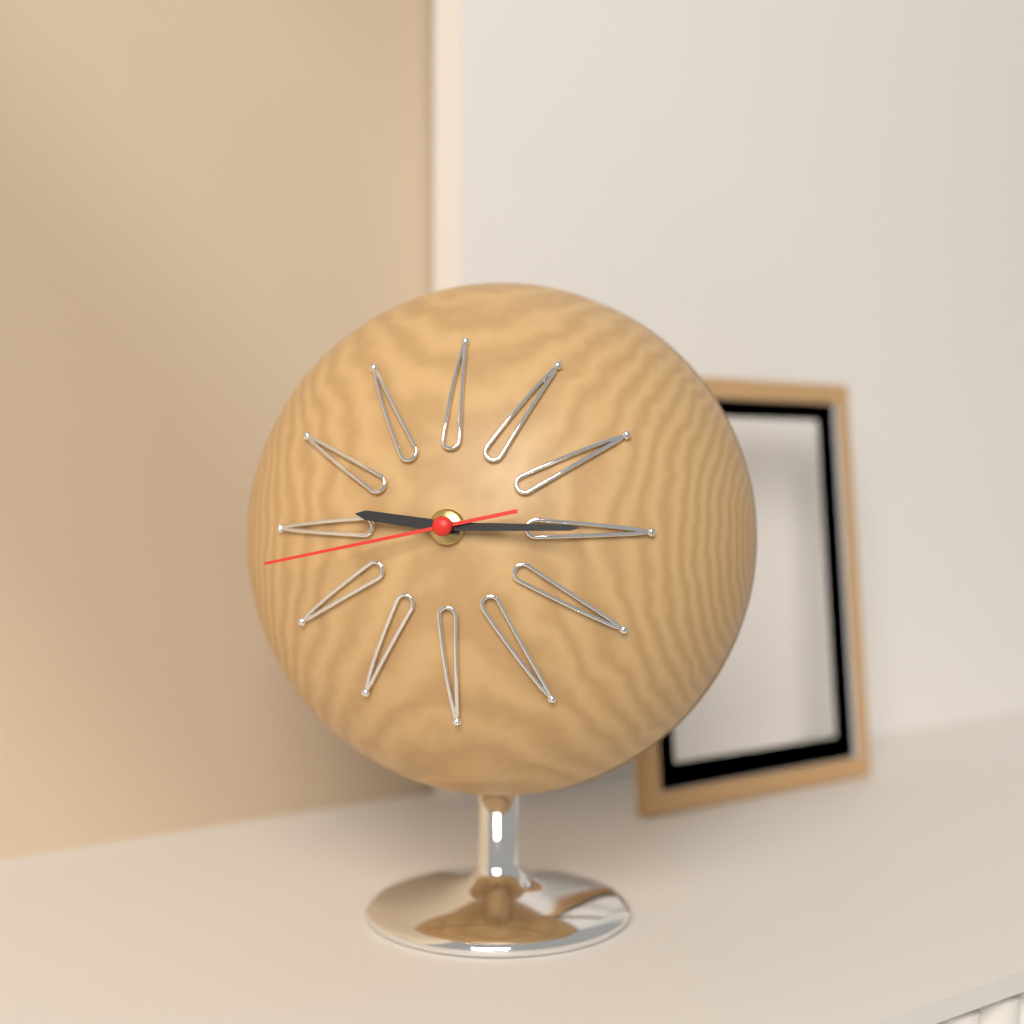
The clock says 9,15,43
